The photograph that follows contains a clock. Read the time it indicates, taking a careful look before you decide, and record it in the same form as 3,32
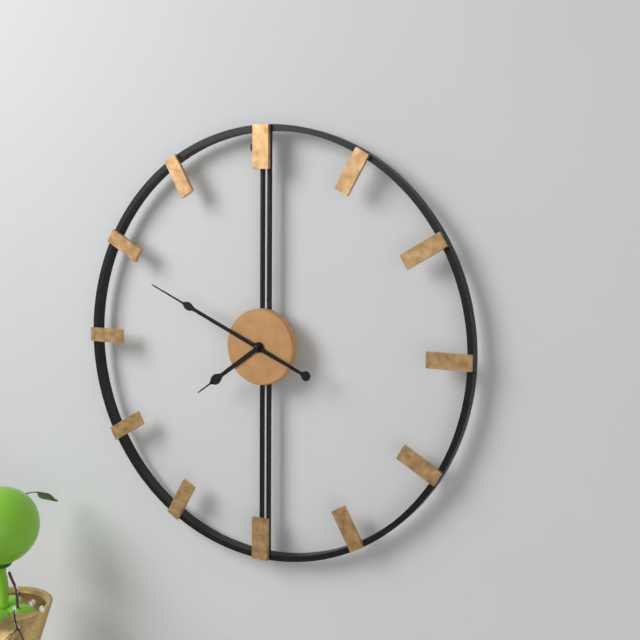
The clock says 7,49
